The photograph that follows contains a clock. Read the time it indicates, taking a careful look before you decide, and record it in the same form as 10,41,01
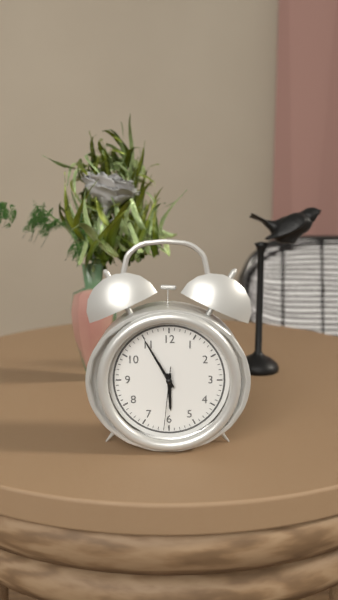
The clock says 5,55,31
